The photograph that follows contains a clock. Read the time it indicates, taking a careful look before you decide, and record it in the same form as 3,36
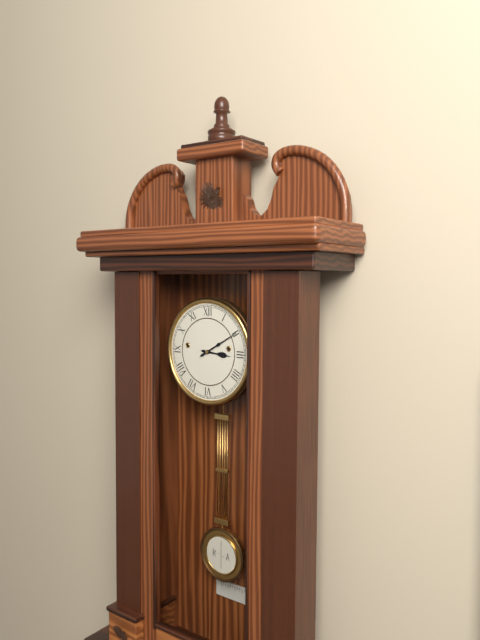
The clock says 3,10
